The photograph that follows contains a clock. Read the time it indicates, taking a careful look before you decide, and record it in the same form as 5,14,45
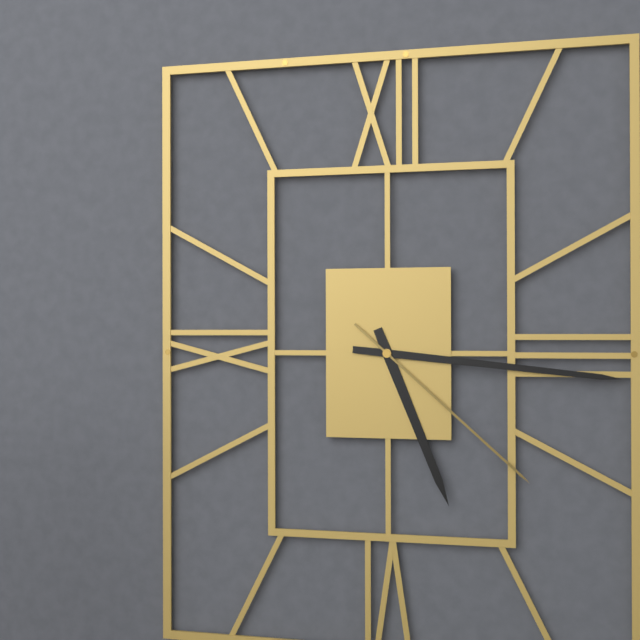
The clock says 5,16,22
